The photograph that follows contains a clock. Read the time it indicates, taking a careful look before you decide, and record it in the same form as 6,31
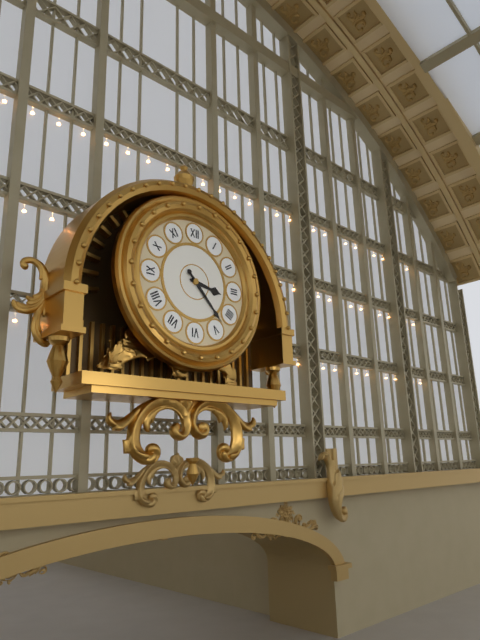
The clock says 3,23
